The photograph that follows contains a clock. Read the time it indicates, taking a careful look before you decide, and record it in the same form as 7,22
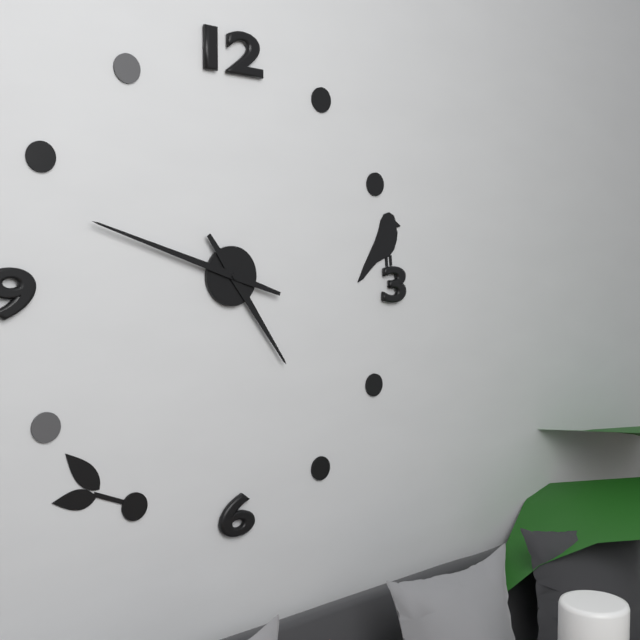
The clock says 4,48
